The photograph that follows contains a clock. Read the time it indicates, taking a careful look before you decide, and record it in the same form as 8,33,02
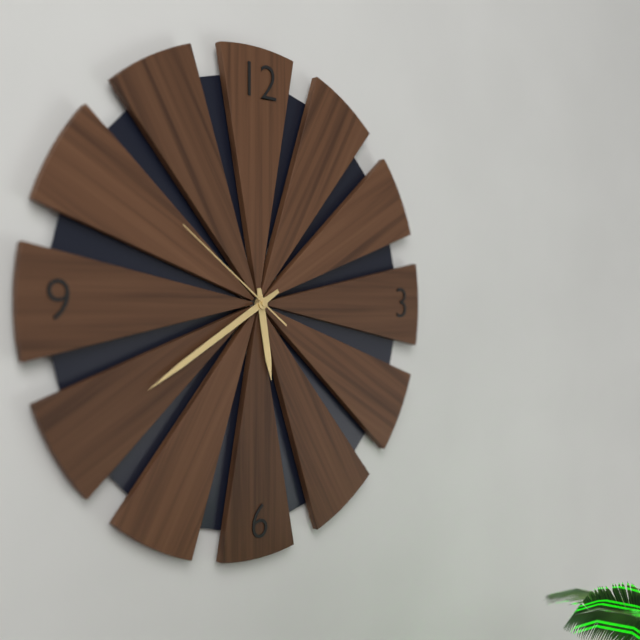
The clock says 5,40,51
